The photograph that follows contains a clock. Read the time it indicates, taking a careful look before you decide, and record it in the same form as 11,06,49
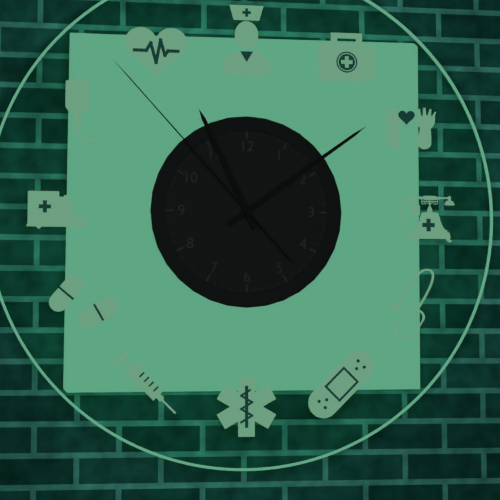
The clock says 11,09,53
